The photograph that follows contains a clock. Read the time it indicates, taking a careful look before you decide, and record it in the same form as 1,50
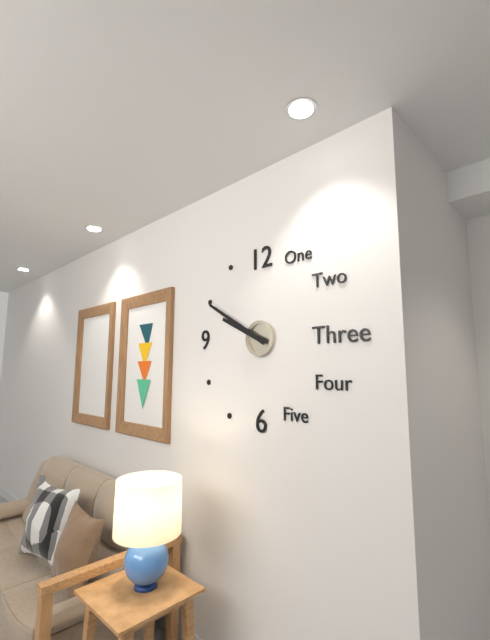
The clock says 9,50
